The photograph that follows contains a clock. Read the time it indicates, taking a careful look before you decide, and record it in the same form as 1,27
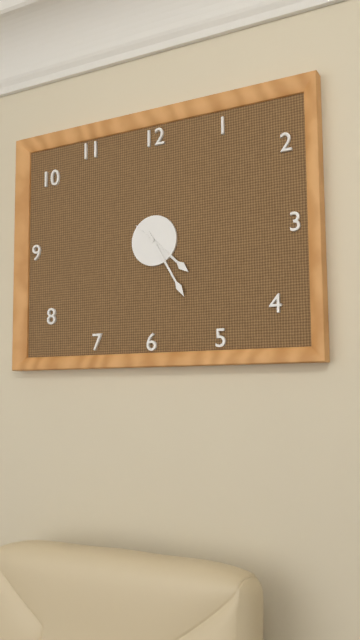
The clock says 4,25
